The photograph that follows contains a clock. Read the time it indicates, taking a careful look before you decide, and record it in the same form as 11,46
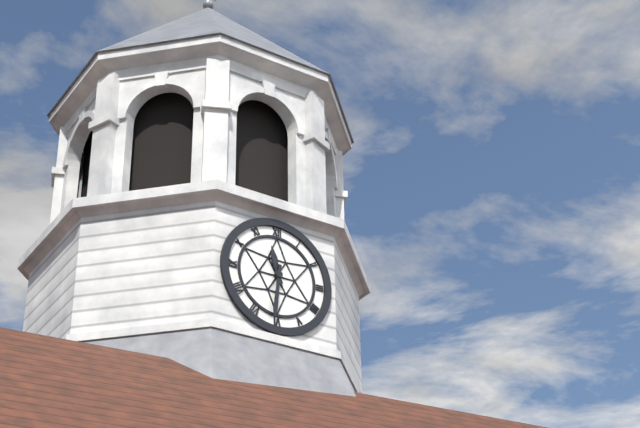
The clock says 11,31
